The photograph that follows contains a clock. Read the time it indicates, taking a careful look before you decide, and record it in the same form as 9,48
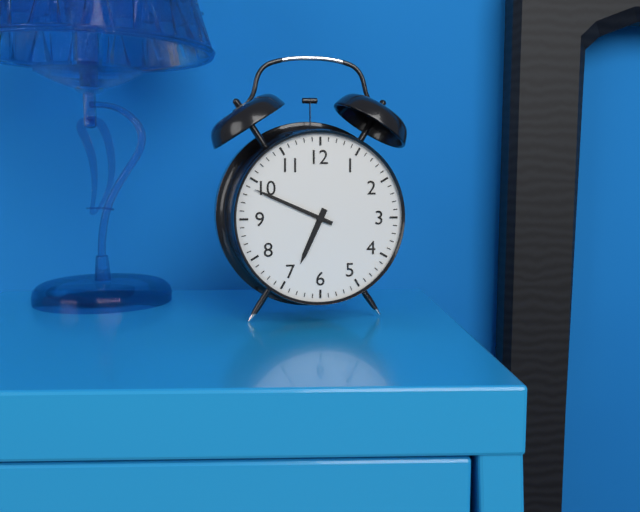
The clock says 6,49
